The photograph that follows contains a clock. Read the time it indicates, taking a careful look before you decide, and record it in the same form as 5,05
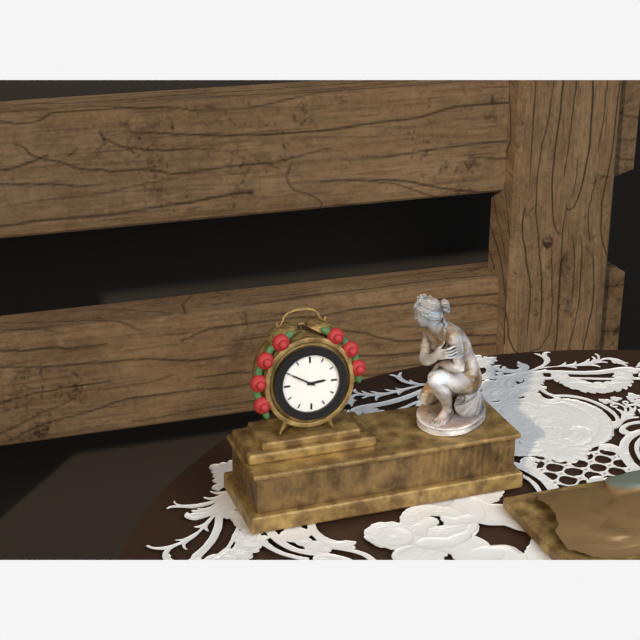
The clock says 2,50
